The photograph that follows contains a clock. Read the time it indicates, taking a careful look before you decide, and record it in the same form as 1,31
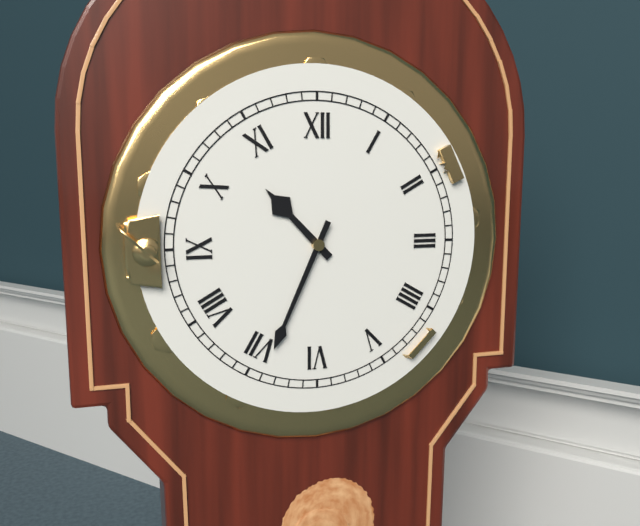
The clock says 10,34
